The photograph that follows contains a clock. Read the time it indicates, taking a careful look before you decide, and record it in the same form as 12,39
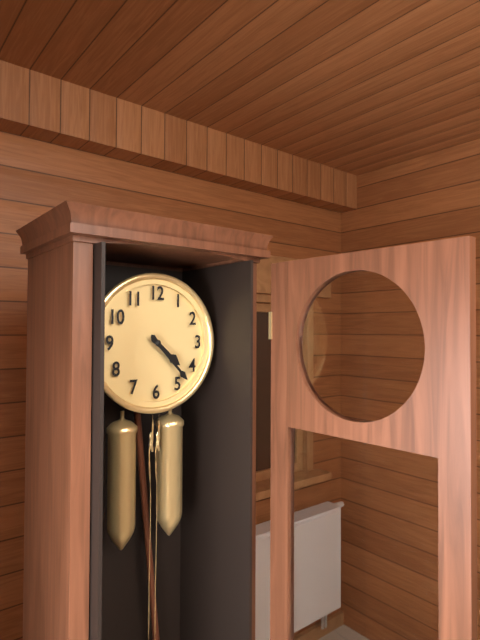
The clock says 4,23
